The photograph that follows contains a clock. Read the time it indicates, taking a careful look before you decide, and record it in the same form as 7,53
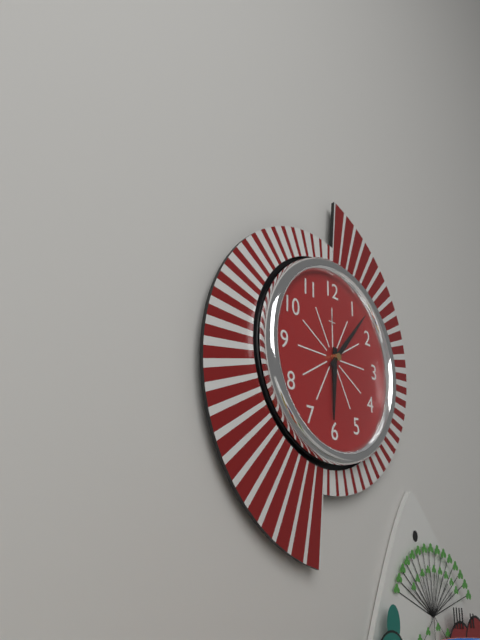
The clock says 6,07
